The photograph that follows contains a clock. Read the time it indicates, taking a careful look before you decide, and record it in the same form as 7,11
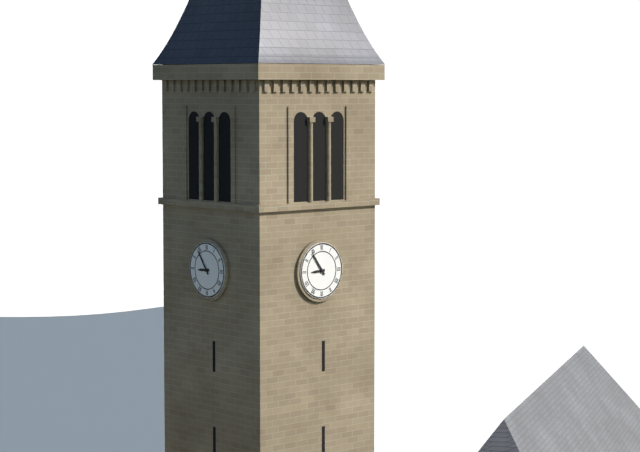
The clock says 8,54
